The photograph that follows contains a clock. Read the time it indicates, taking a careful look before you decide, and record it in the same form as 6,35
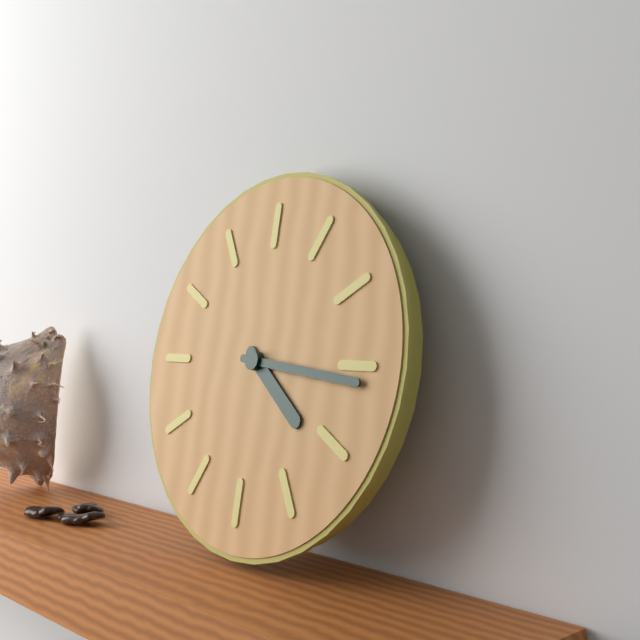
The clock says 4,16
